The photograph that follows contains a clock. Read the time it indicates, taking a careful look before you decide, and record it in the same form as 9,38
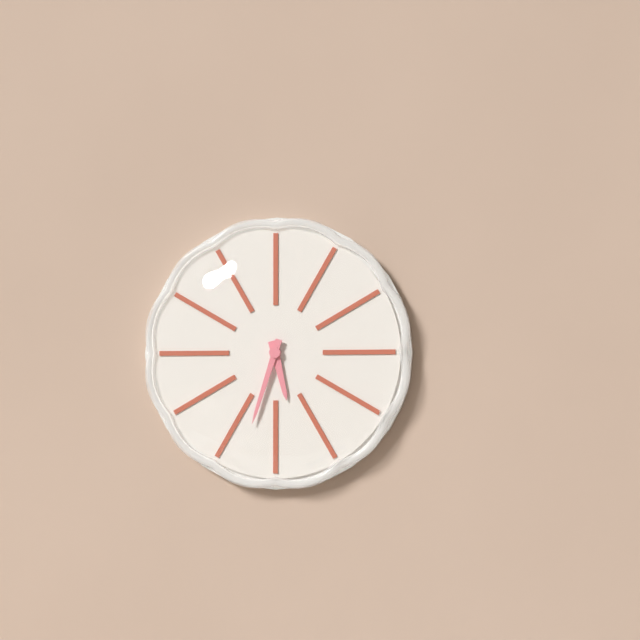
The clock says 5,33
